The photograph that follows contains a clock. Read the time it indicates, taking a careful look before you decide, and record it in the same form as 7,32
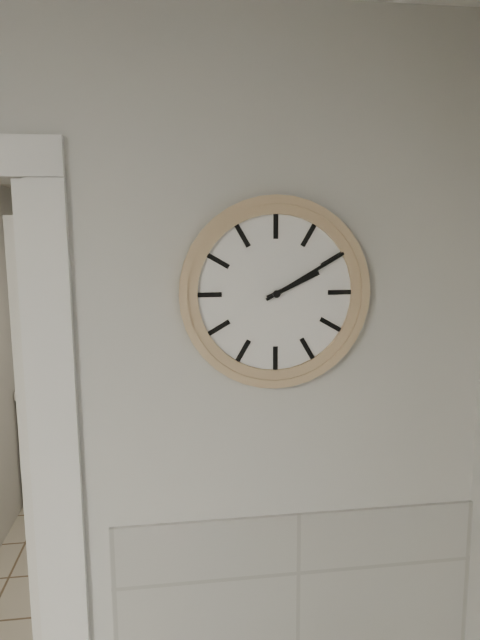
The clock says 2,10
